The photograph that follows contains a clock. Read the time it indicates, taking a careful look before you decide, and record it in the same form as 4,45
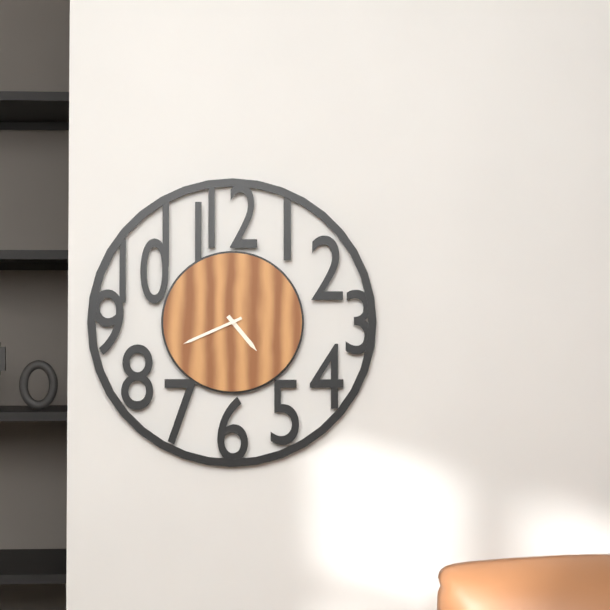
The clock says 4,41
